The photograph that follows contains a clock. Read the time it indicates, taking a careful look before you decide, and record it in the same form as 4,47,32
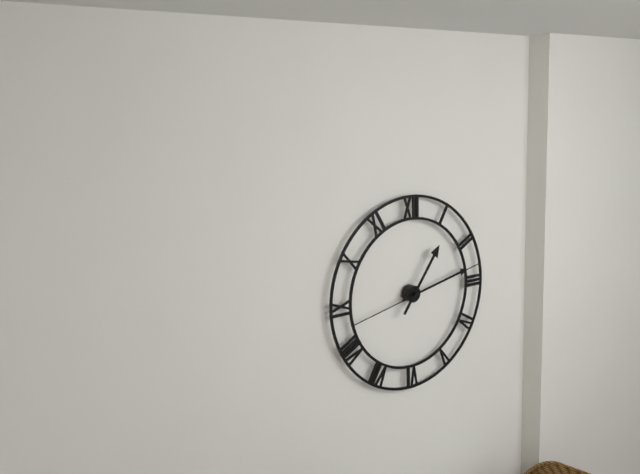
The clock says 1,13,13
